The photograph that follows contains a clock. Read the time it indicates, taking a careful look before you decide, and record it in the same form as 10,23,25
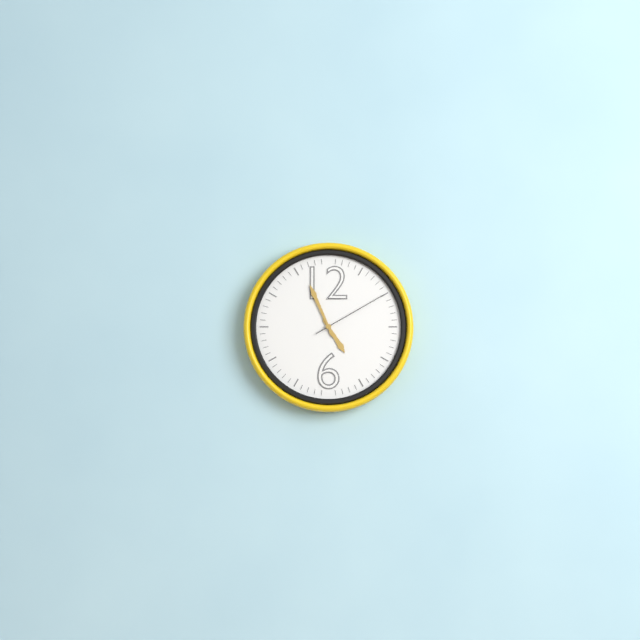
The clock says 4,56,10
